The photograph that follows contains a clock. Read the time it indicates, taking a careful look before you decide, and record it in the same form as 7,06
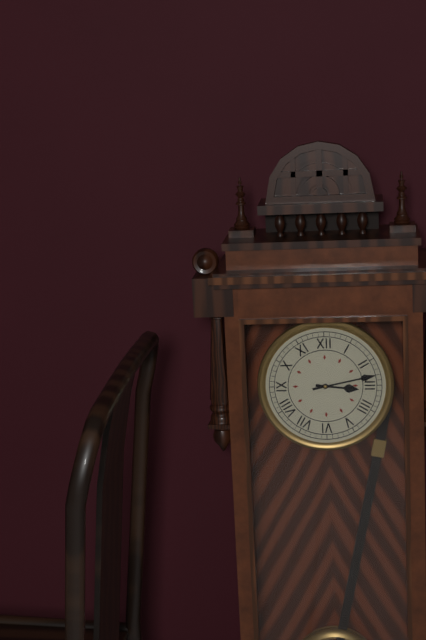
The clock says 3,13
